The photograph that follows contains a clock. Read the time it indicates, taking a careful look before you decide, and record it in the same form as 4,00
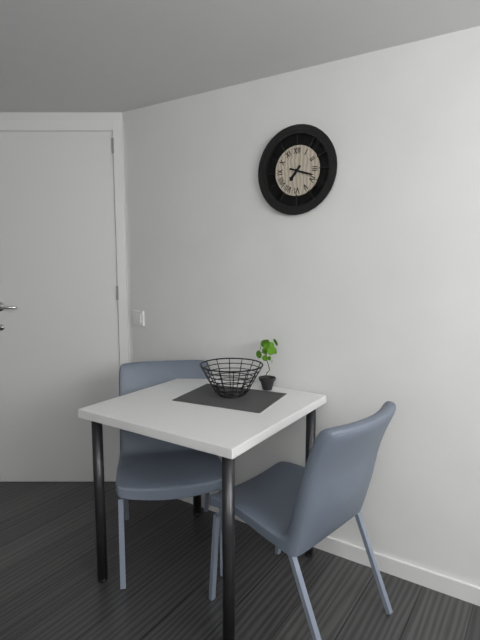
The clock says 7,18
